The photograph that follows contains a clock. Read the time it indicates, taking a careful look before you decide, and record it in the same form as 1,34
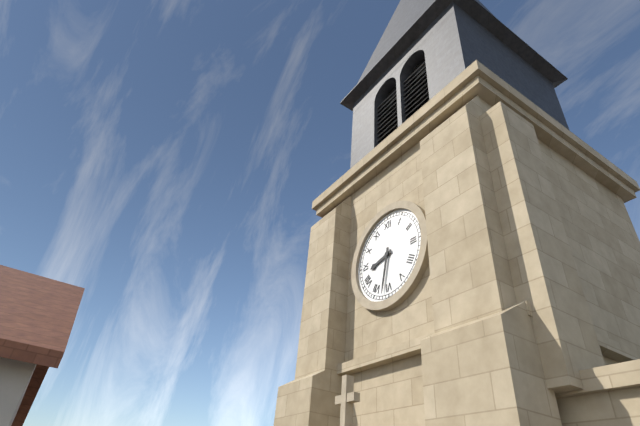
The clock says 8,32
